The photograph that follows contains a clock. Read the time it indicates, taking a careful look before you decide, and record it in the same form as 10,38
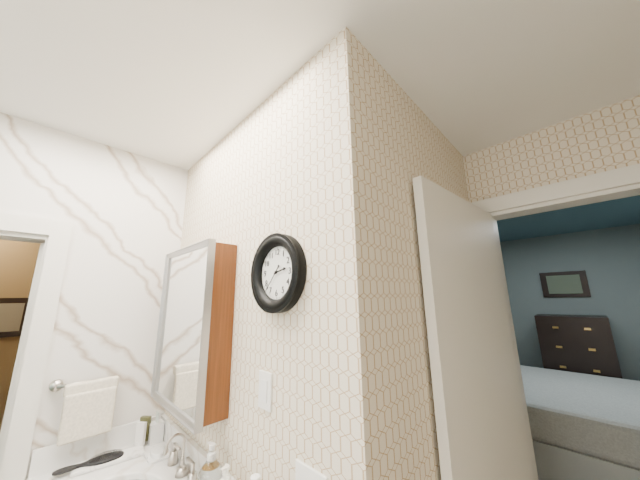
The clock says 2,37
